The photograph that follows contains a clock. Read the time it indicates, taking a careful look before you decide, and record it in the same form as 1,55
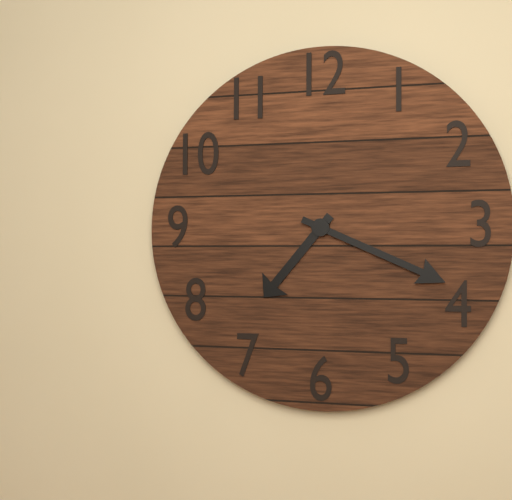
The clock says 7,19
